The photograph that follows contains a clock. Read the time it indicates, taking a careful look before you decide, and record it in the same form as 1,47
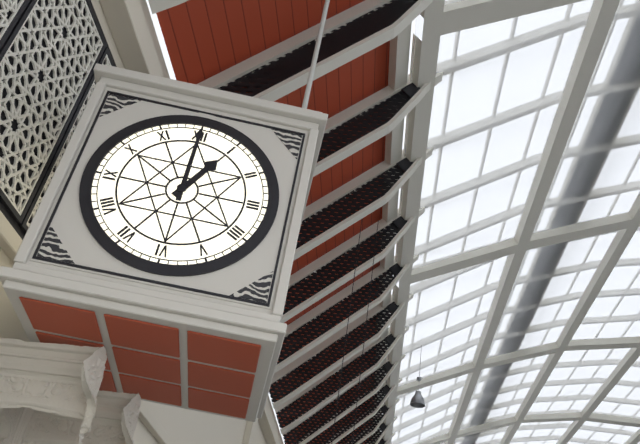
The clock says 1,00
